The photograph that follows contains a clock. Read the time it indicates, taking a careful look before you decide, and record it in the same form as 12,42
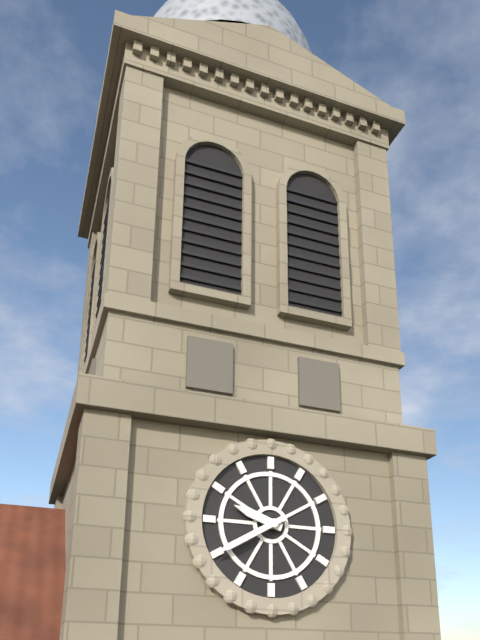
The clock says 9,40
